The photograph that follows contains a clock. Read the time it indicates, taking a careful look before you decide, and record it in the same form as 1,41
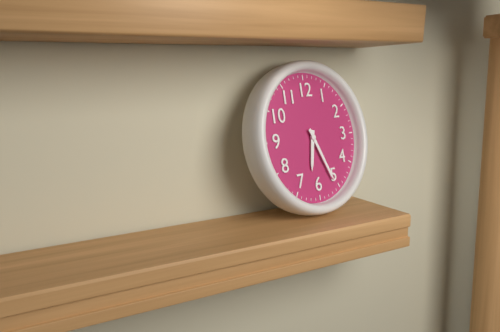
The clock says 6,26
